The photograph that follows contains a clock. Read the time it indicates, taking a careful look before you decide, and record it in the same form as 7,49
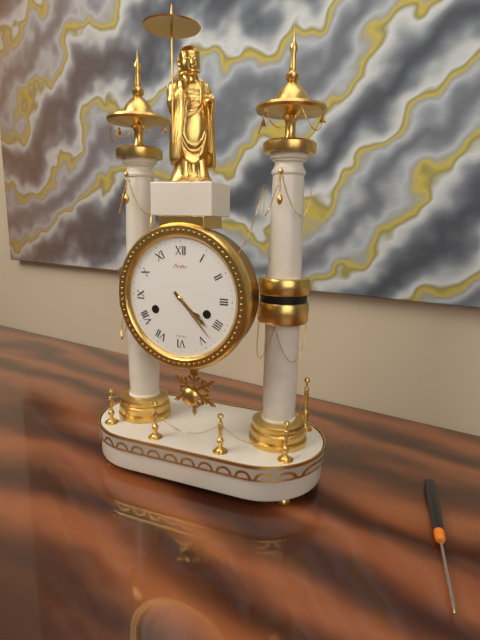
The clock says 4,23
